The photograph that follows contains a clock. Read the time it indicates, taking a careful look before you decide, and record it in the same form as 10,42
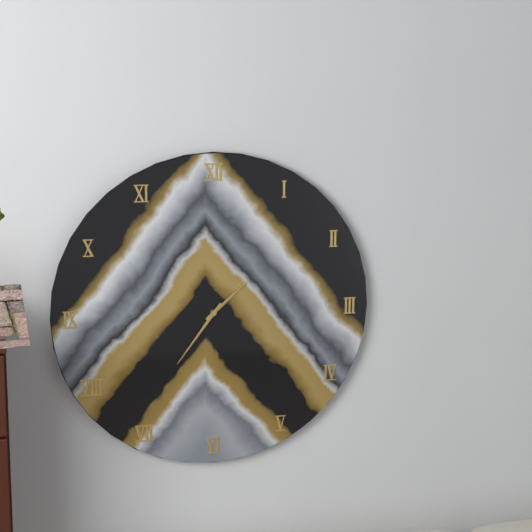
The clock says 1,36
